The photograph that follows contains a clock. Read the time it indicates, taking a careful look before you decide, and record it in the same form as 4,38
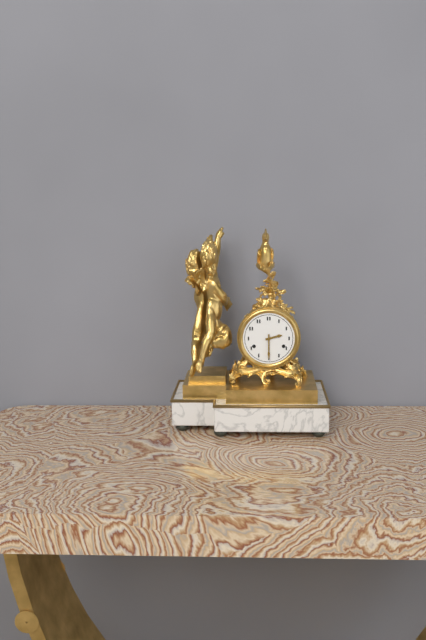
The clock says 2,30
